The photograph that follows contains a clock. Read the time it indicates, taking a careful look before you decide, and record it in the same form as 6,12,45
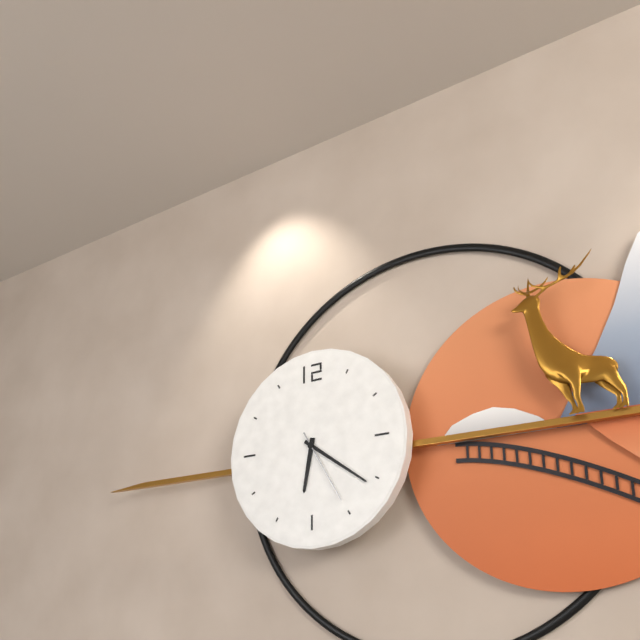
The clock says 6,21,25
